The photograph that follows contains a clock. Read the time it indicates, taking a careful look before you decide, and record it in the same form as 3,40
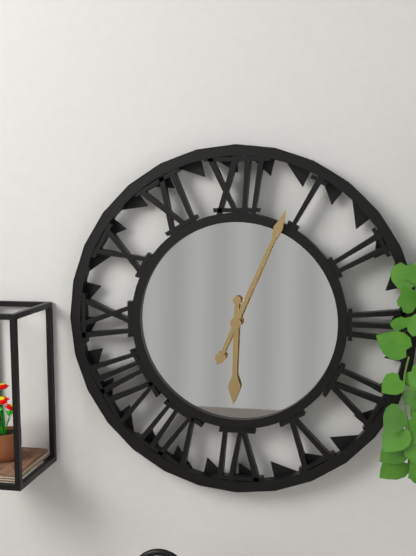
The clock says 6,04
